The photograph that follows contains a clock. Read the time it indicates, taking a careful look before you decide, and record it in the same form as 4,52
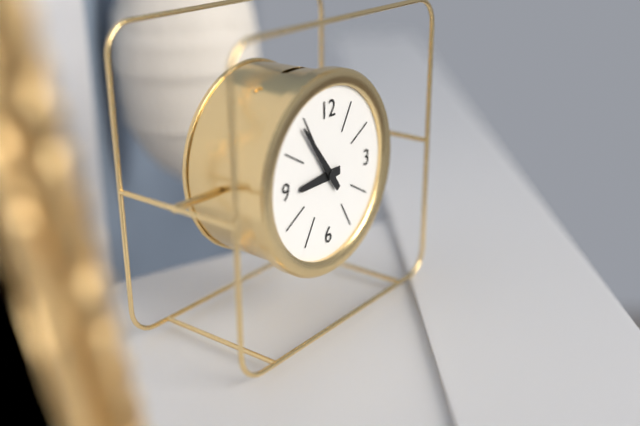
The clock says 8,54
